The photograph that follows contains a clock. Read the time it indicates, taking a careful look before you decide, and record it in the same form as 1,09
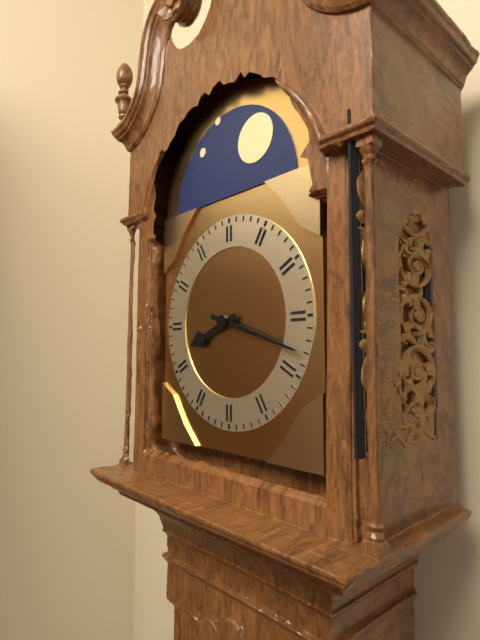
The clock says 8,18
